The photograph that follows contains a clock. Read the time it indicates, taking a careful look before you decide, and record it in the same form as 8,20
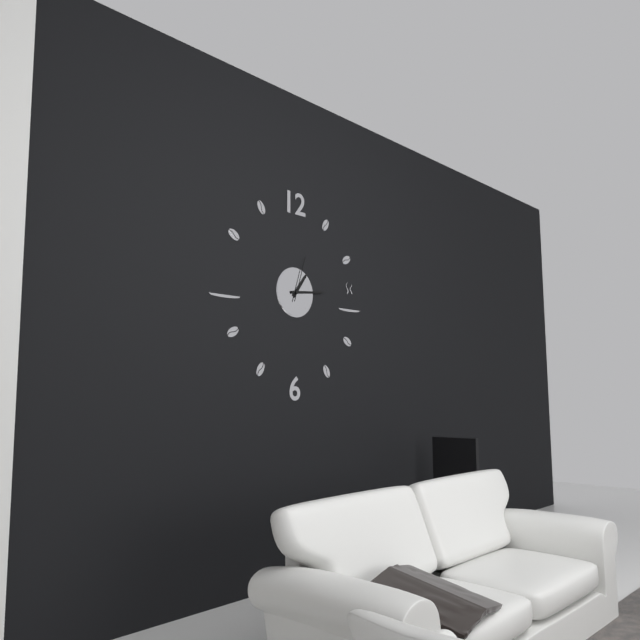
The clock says 1,14
